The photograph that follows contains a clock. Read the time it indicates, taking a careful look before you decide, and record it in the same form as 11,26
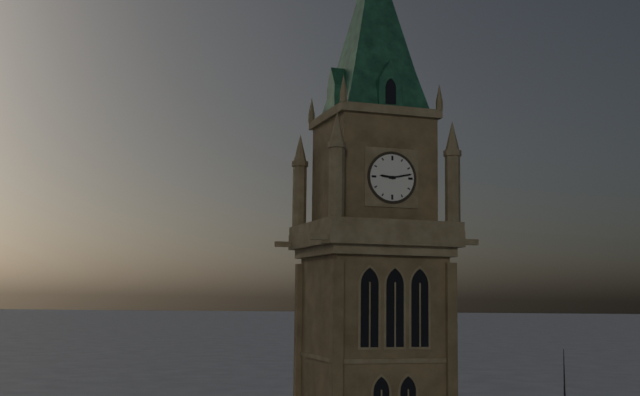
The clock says 9,13
